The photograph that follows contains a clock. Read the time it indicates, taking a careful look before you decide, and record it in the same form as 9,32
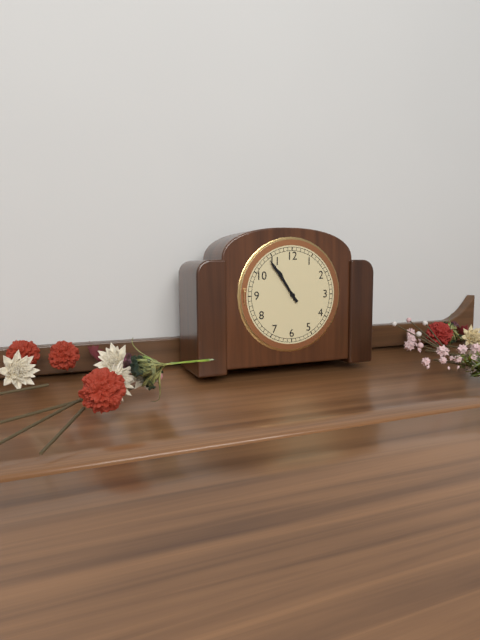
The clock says 10,54
